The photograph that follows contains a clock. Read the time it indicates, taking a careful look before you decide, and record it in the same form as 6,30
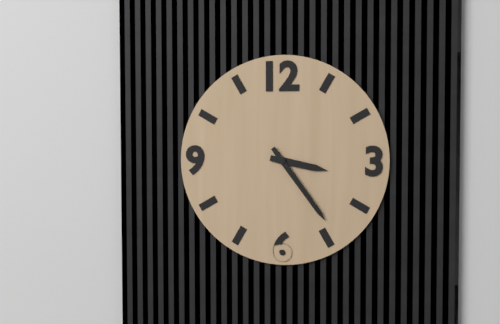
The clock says 3,24
